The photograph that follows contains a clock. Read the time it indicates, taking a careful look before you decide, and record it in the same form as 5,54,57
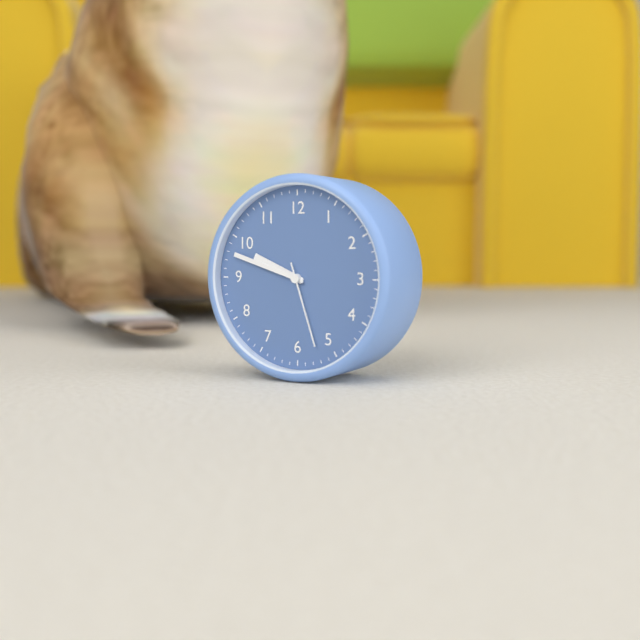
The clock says 9,48,27
